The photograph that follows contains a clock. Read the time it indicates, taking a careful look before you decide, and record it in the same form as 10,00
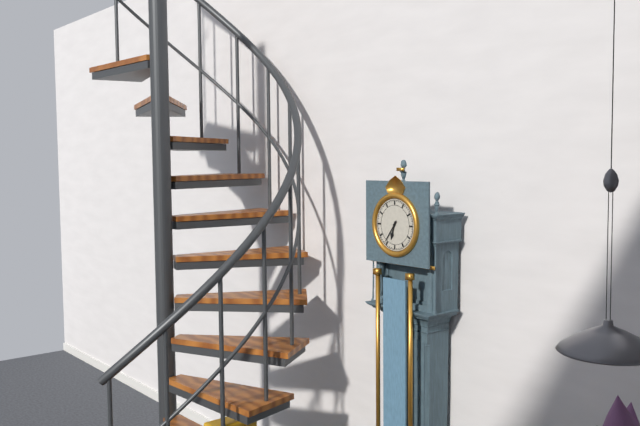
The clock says 6,36
